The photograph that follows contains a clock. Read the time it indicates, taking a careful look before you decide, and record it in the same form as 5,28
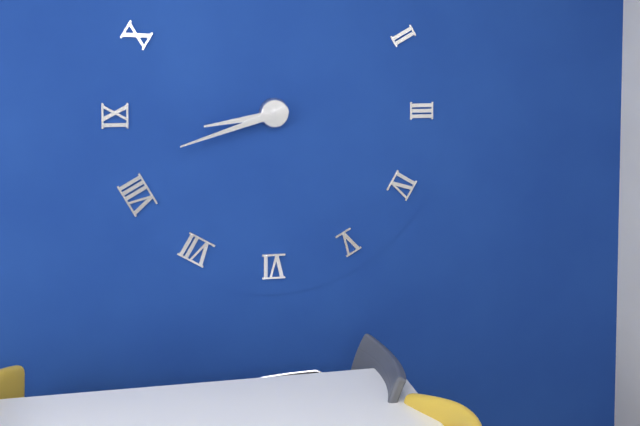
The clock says 8,42
